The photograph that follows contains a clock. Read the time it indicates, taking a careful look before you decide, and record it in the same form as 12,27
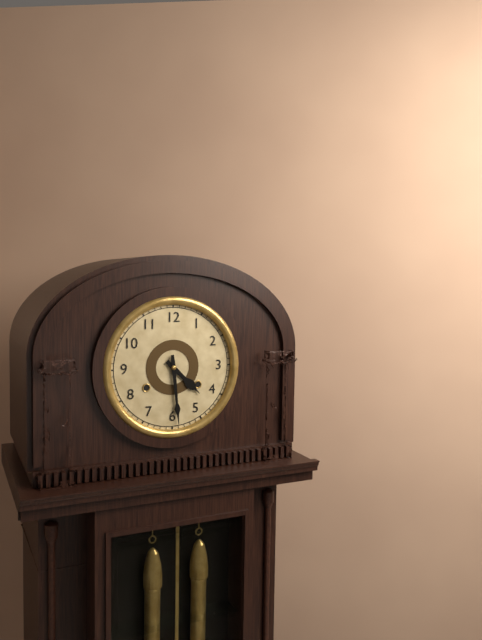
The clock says 4,29
